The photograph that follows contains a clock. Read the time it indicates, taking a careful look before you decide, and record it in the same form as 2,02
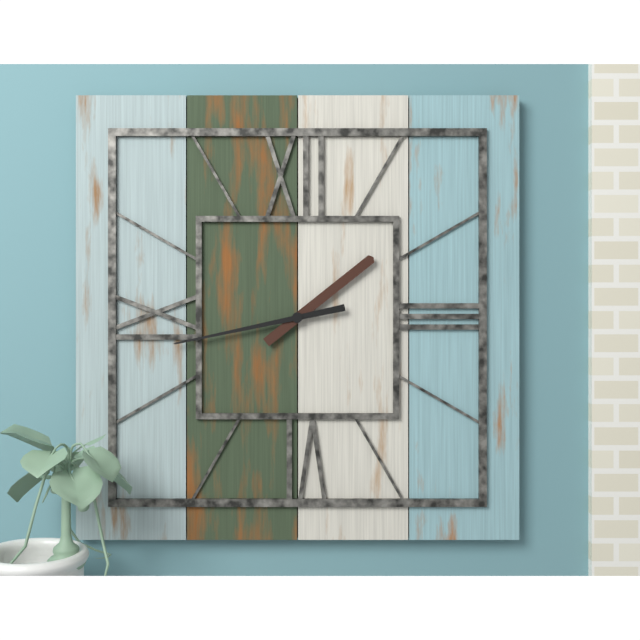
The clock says 1,43
